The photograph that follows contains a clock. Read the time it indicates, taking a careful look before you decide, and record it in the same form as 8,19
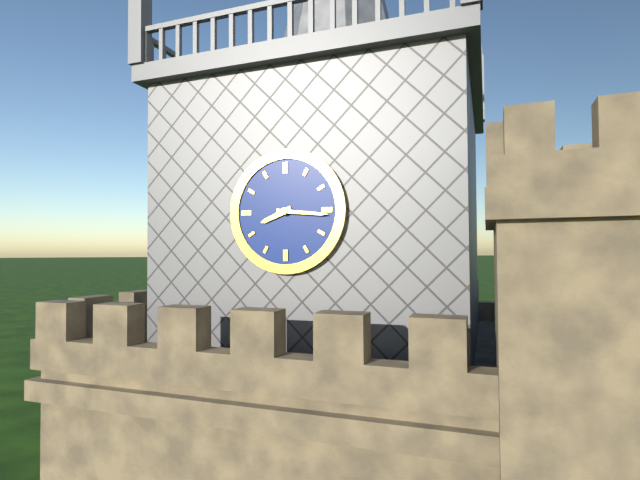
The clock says 8,16
